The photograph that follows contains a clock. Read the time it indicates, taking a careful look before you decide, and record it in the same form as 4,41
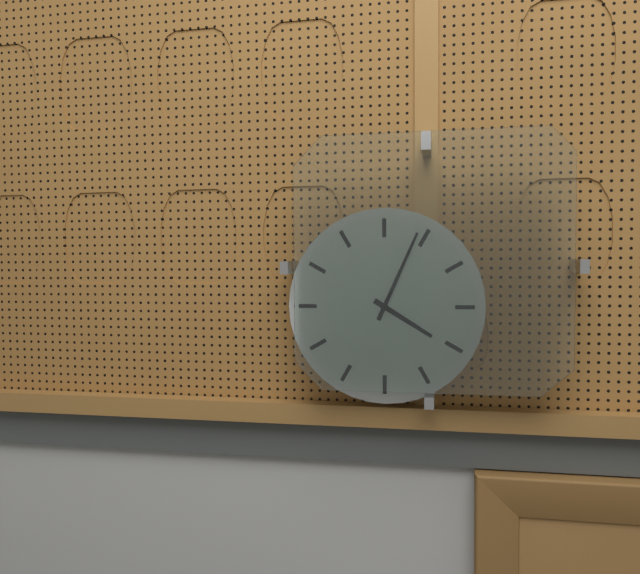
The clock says 4,04
